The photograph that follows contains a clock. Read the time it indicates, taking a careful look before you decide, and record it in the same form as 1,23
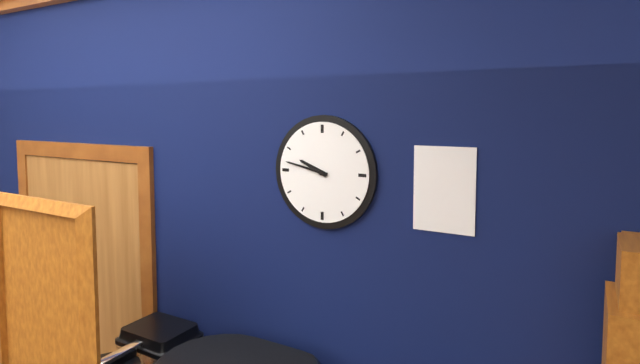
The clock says 9,47
